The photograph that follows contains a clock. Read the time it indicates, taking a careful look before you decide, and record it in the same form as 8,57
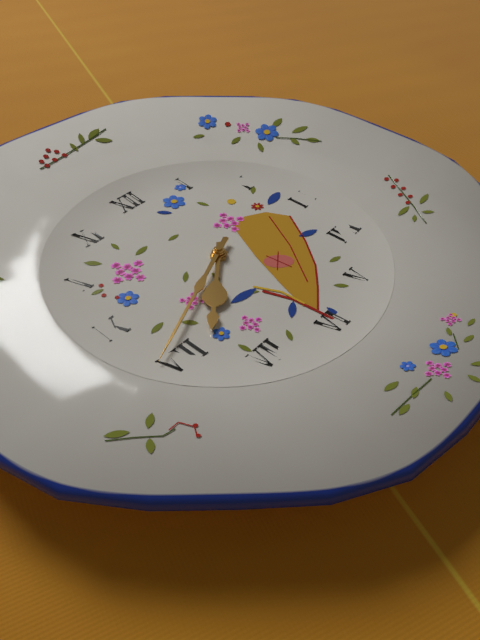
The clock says 7,41
